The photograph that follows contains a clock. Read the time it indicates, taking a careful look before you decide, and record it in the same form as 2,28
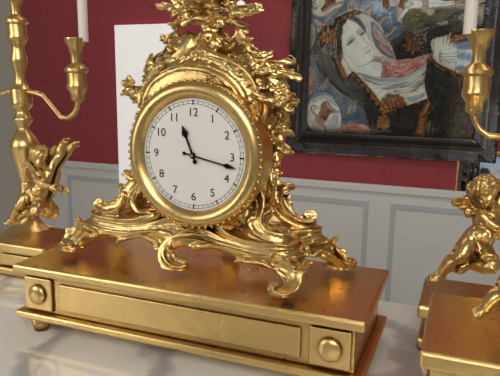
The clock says 11,17
